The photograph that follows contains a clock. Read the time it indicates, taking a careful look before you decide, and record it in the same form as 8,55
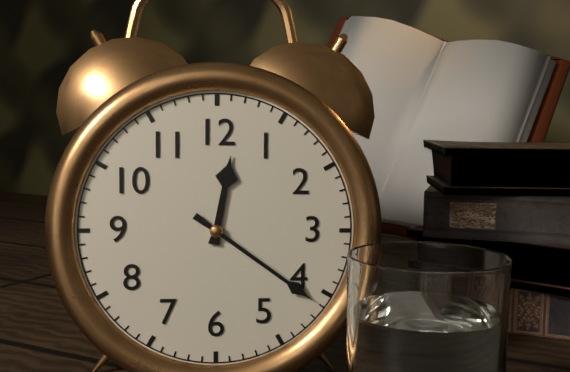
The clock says 12,21
